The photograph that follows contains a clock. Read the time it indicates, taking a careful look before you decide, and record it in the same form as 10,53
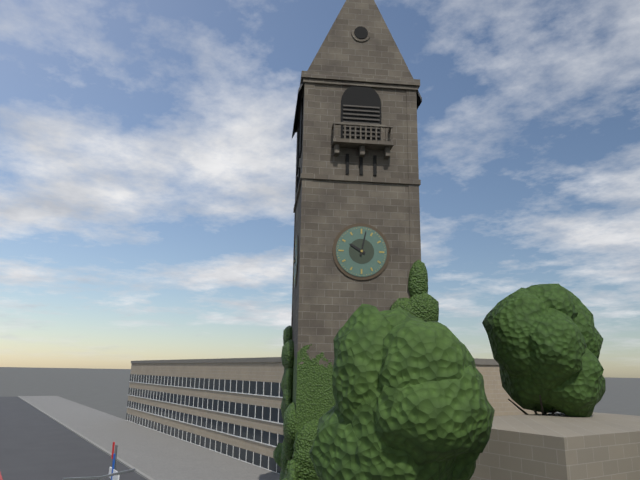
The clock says 10,02
